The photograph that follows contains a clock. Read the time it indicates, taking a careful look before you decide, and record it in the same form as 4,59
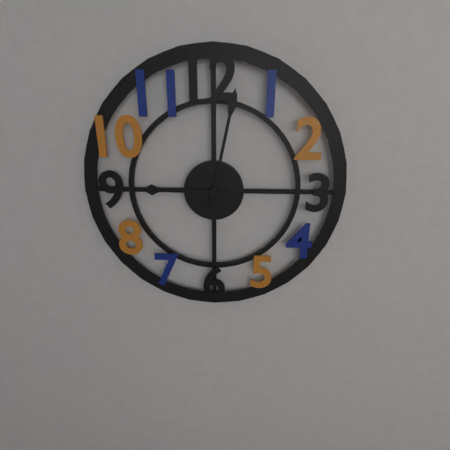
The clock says 9,02
